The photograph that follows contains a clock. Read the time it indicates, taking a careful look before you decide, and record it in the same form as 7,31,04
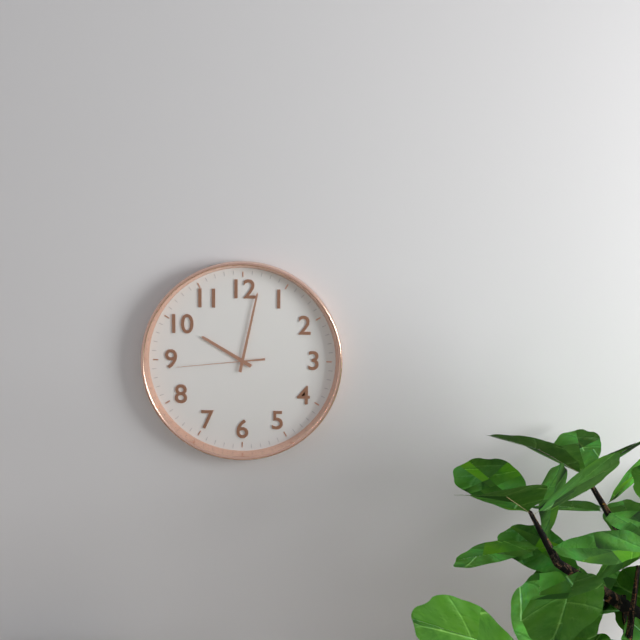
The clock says 10,02,44
